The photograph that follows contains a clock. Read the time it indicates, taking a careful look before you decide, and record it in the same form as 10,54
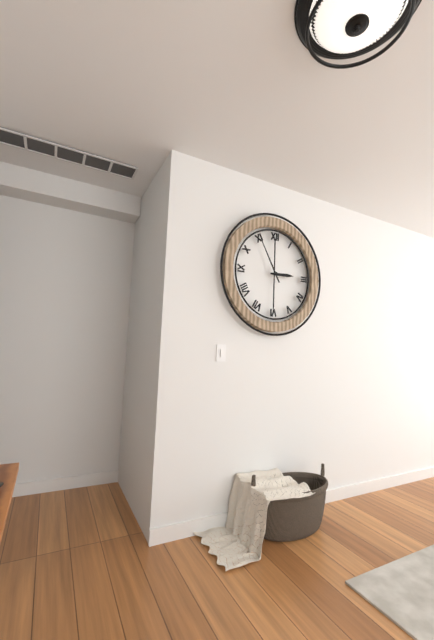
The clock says 2,55
